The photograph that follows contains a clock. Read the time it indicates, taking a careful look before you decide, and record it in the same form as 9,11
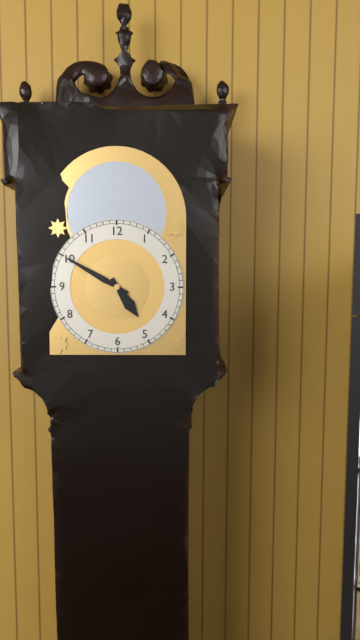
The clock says 4,50
